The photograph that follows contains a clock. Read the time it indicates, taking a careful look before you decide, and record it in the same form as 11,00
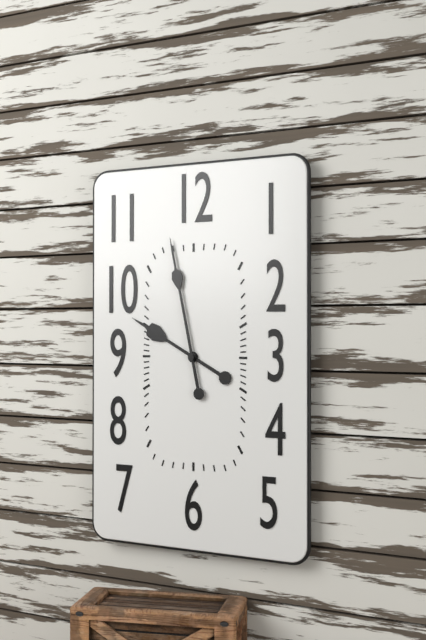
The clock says 9,58
